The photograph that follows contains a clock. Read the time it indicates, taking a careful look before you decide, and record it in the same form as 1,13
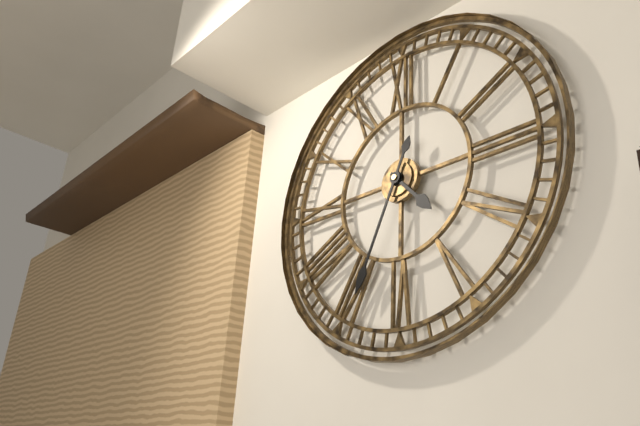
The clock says 4,34
